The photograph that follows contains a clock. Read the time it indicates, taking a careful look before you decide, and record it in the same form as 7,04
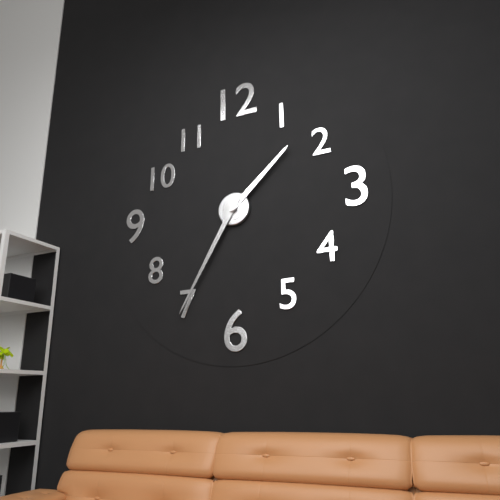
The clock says 1,35
